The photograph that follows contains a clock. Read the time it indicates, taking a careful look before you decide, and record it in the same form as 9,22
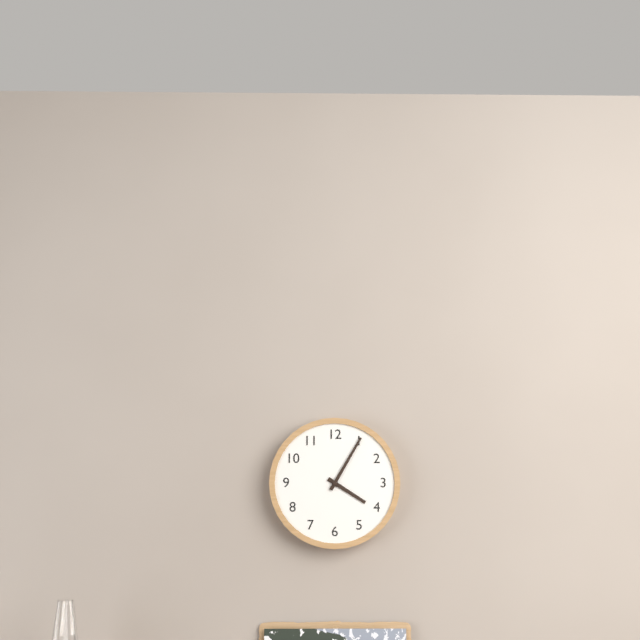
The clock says 4,05
